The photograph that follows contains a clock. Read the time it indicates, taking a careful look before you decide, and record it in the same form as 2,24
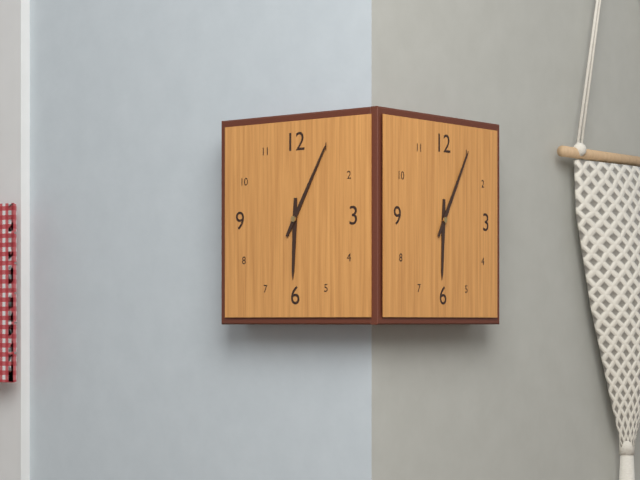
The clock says 6,05
